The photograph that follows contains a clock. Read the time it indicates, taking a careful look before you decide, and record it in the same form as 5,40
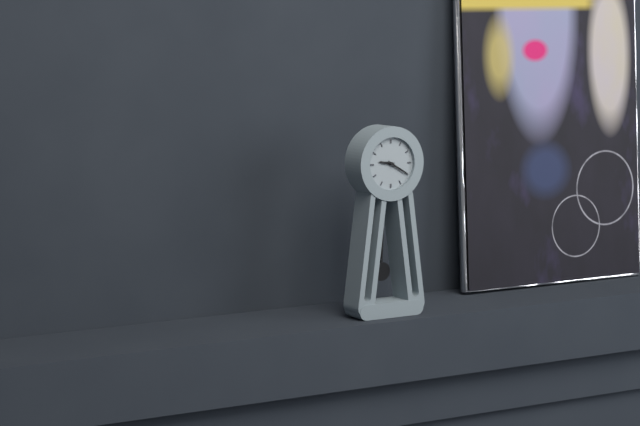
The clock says 9,20
